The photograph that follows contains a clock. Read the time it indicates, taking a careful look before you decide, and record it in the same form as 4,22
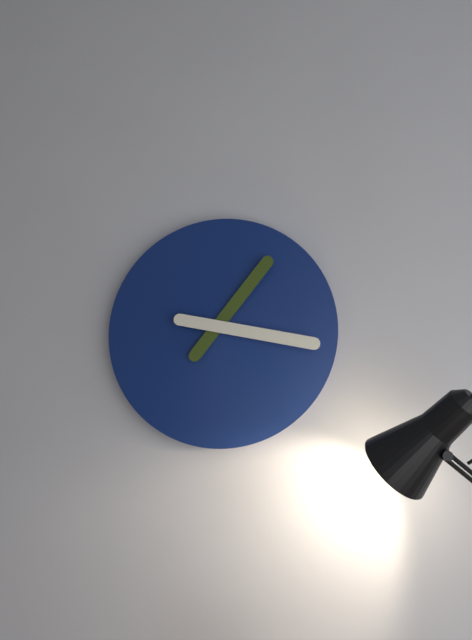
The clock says 1,17
